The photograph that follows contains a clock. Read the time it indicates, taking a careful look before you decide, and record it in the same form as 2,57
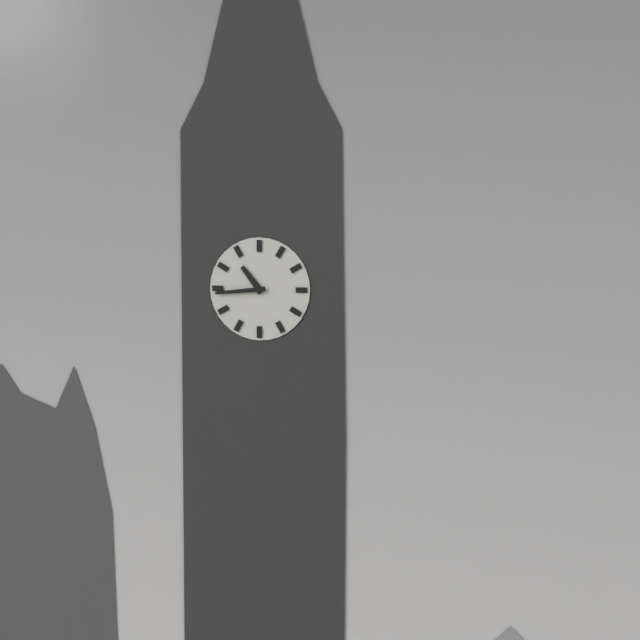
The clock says 10,44
